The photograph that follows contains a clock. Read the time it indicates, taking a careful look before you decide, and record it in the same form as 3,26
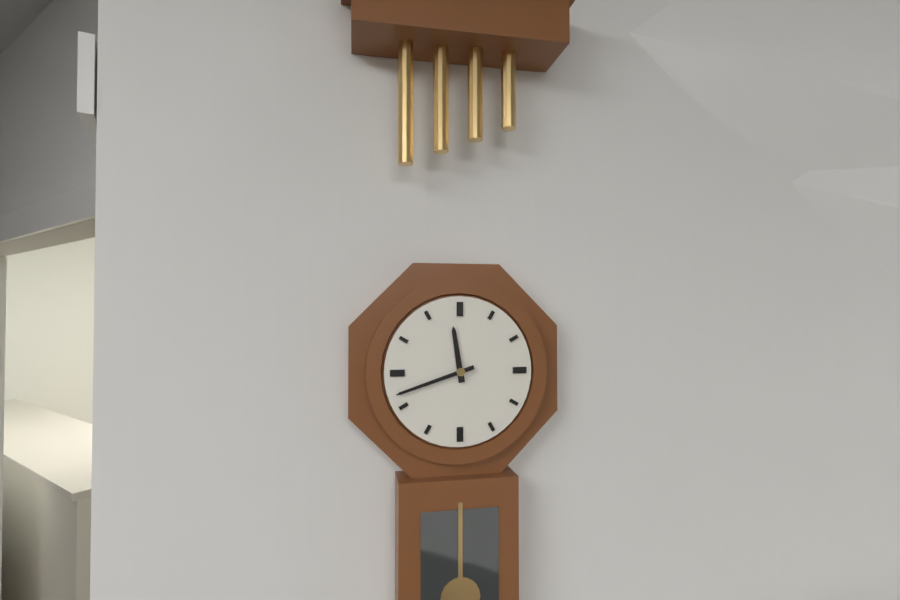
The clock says 11,42
